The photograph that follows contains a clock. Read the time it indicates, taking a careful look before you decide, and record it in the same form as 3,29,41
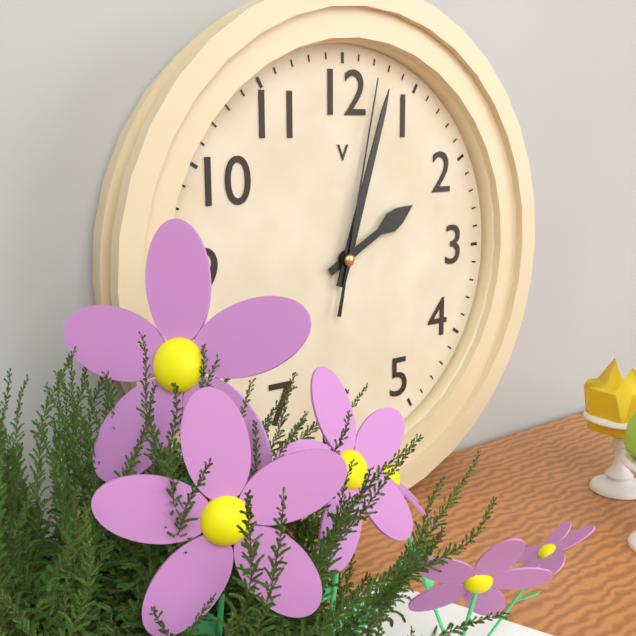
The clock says 2,03,02
